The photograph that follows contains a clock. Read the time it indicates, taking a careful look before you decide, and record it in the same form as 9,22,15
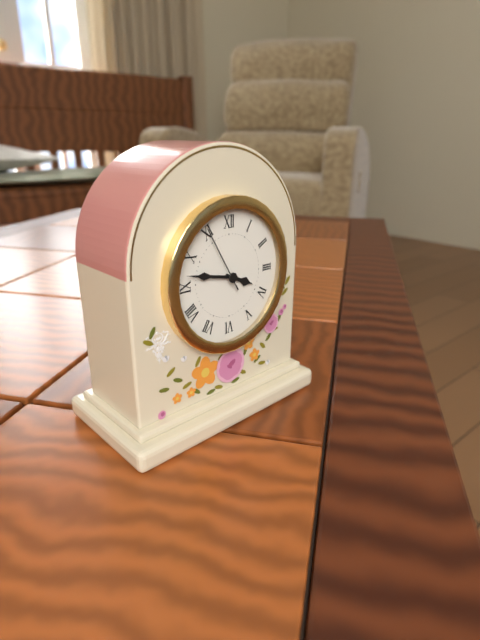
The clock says 3,47,55
